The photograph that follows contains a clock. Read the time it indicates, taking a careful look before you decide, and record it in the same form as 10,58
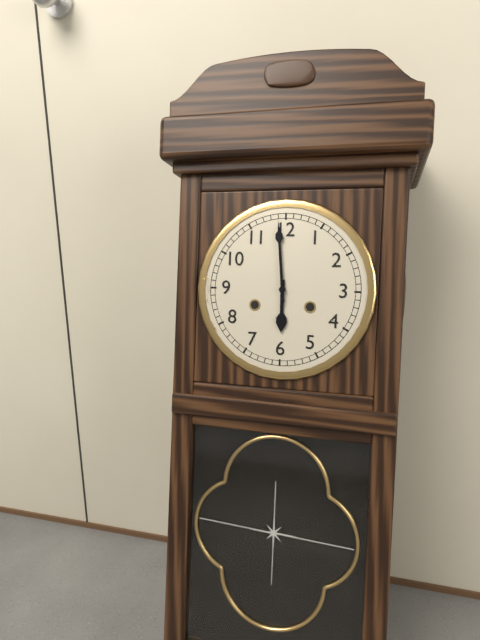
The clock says 5,59
